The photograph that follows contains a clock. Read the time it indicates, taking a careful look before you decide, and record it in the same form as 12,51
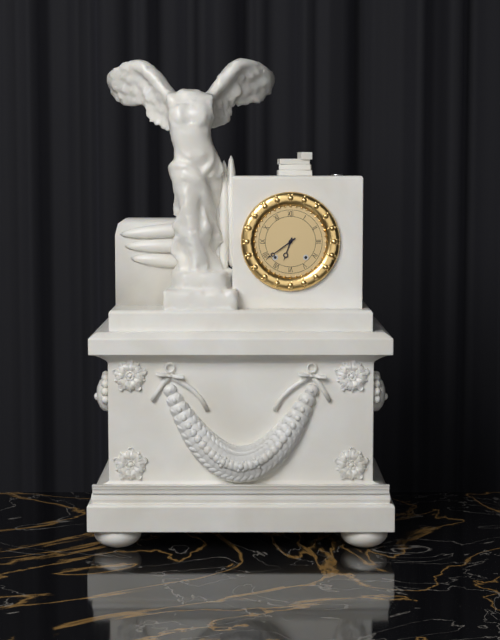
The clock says 6,39
